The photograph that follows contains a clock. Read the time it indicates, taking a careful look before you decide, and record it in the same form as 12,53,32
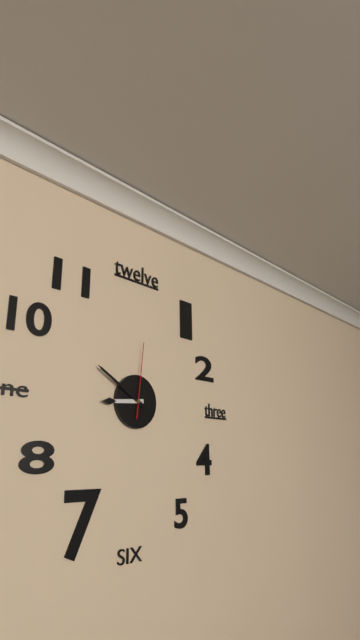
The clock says 8,50,01
